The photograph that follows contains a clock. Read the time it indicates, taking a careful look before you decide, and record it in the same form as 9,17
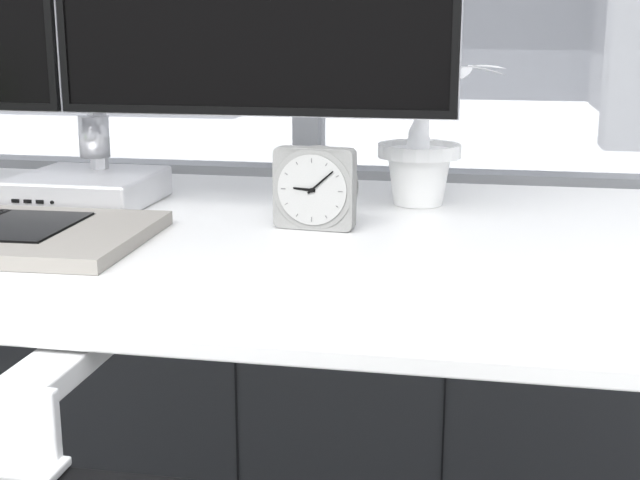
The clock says 9,08
